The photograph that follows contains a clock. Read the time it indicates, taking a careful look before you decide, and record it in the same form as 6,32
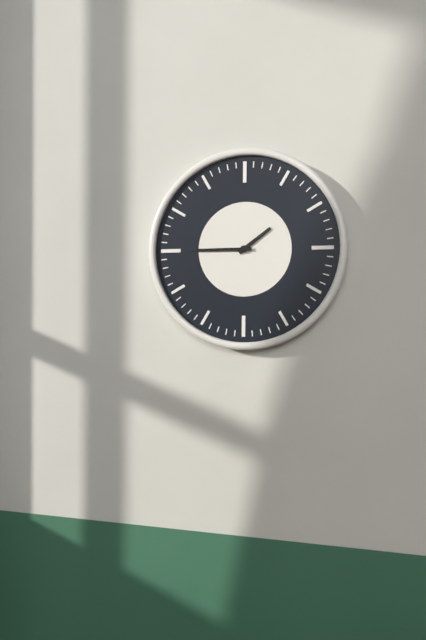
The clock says 1,45
